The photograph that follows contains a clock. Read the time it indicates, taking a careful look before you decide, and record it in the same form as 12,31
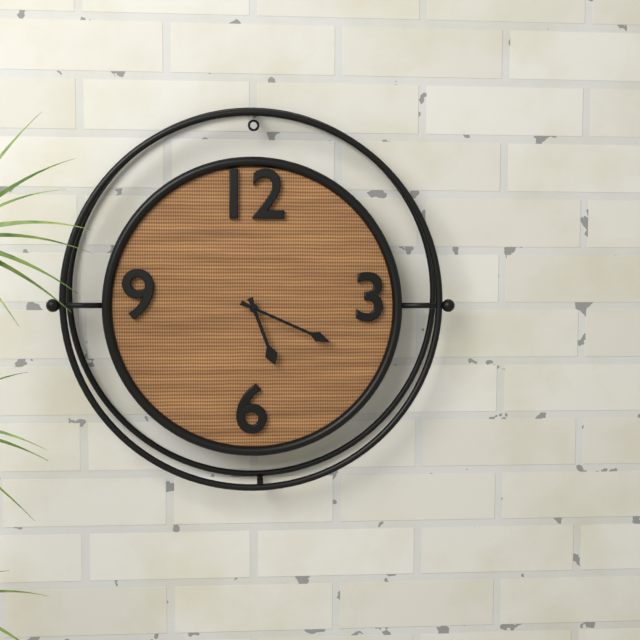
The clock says 5,19
